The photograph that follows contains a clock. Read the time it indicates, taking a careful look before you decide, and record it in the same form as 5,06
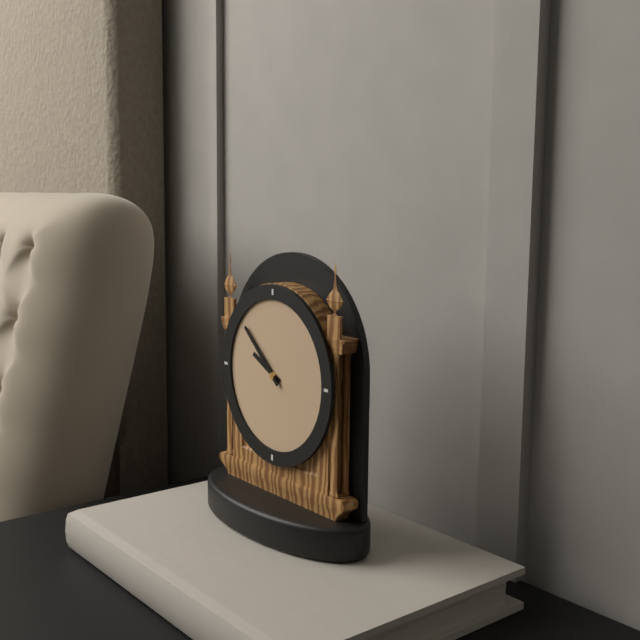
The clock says 9,52
